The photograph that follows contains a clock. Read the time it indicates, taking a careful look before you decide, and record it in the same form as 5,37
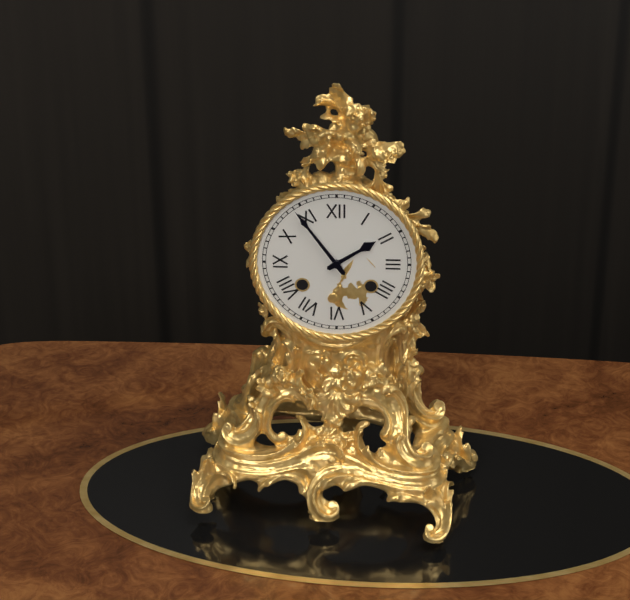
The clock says 1,54
